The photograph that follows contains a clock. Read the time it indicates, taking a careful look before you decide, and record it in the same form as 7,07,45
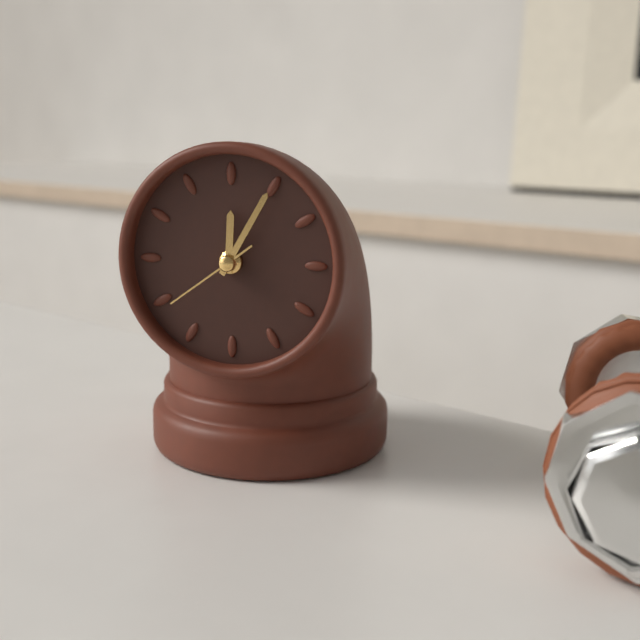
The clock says 12,05,39
